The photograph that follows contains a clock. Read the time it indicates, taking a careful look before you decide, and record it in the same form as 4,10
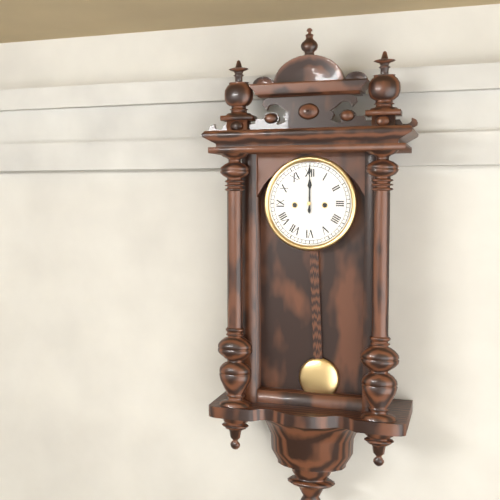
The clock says 12,00
